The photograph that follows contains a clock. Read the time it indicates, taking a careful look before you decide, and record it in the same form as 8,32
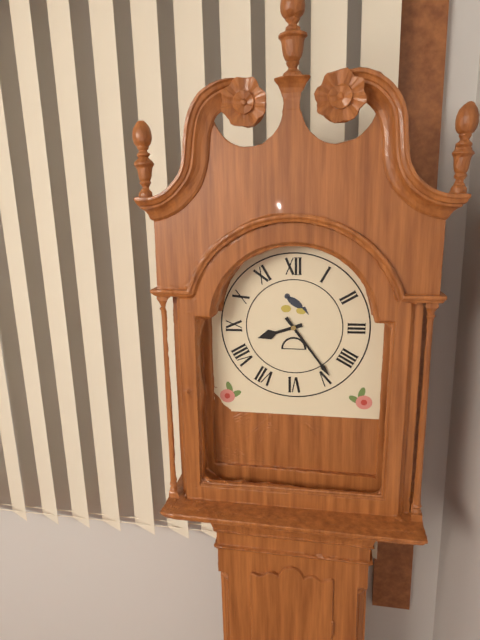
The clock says 8,24
